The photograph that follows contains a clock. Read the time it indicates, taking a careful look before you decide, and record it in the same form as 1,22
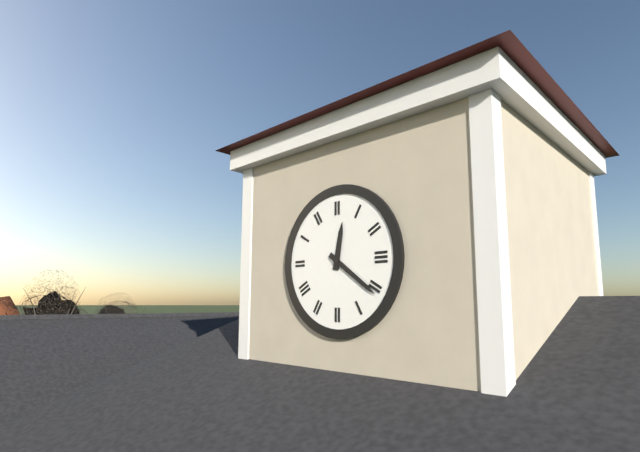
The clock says 12,21
